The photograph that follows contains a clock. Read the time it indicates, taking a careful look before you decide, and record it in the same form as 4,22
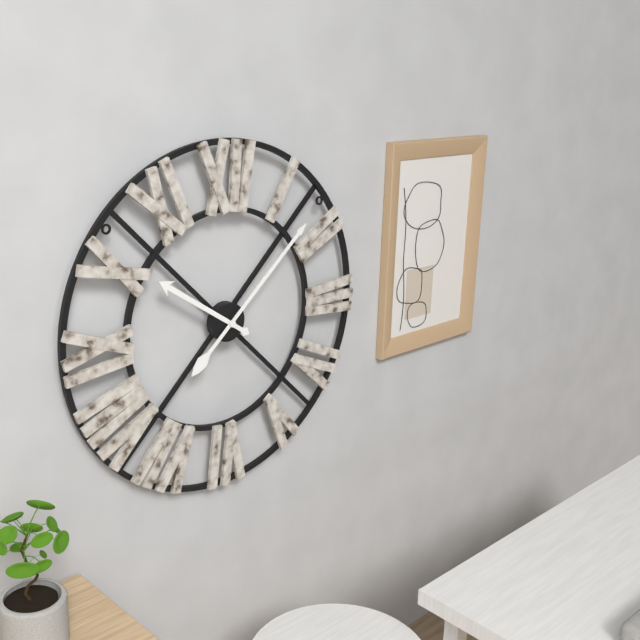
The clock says 10,08
